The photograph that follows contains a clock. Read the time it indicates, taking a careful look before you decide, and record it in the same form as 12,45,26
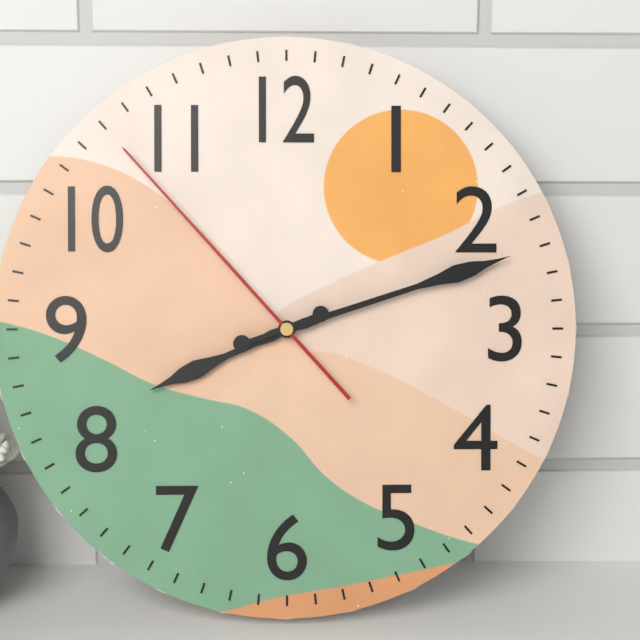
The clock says 8,12,53
